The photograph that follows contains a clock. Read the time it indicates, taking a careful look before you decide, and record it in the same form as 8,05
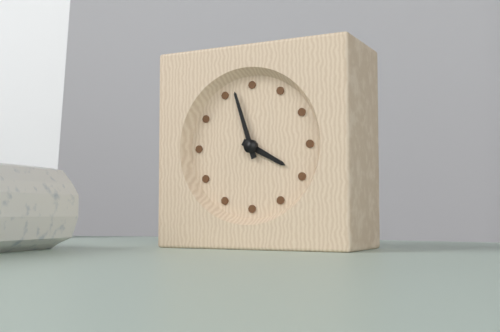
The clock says 3,57
